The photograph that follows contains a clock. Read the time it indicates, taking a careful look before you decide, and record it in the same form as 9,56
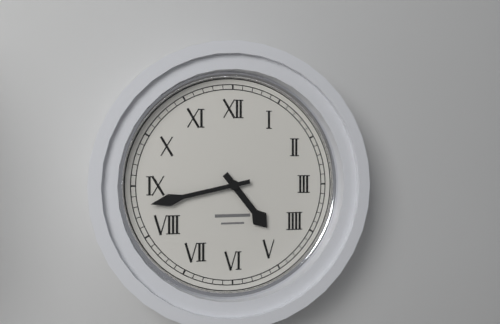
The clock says 4,43
